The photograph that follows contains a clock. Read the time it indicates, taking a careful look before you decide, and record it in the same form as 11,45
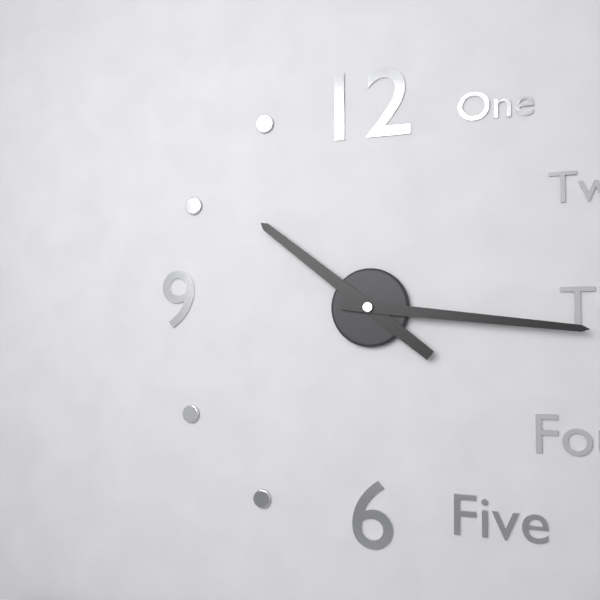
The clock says 10,16
